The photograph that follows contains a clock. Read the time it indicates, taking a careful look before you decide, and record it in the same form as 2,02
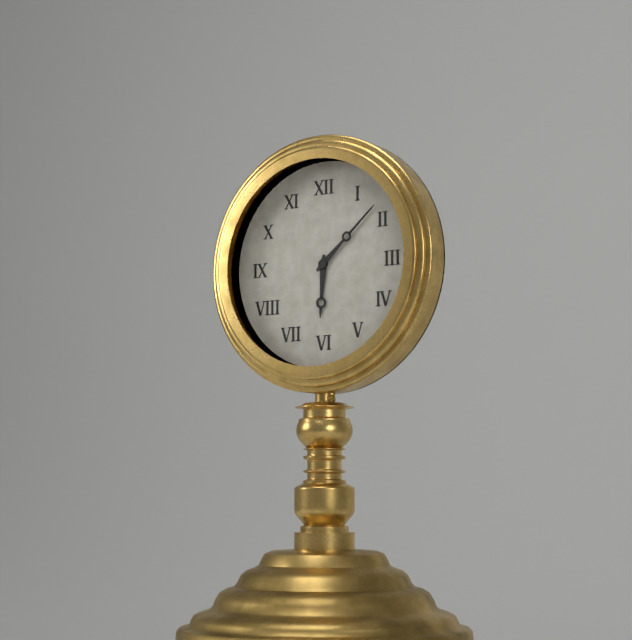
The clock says 6,08
